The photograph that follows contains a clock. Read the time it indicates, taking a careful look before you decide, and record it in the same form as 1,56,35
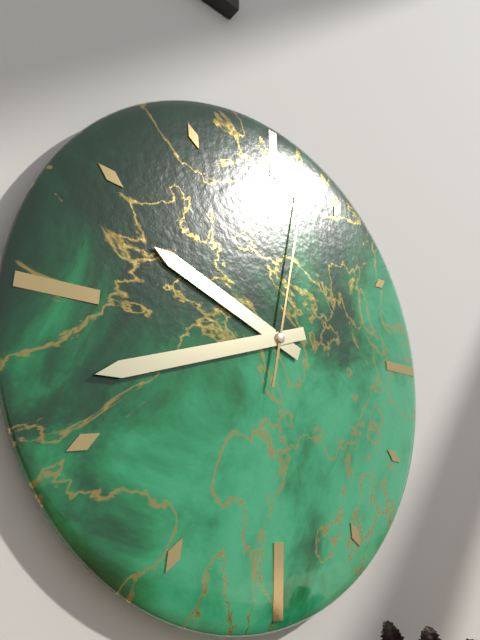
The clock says 9,42,02
